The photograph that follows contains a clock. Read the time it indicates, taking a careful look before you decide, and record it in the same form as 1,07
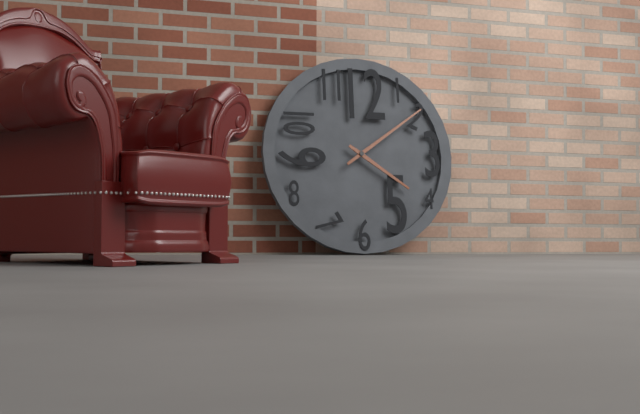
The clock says 4,09
